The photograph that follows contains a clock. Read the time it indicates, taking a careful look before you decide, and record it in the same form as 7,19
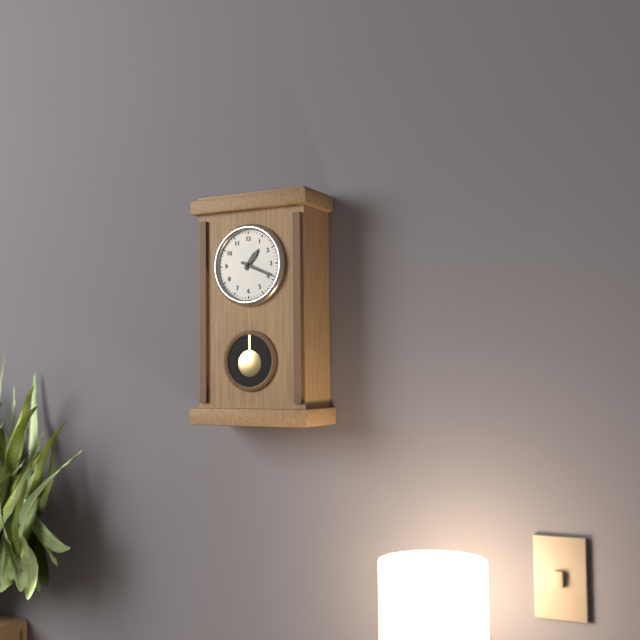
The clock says 1,19
